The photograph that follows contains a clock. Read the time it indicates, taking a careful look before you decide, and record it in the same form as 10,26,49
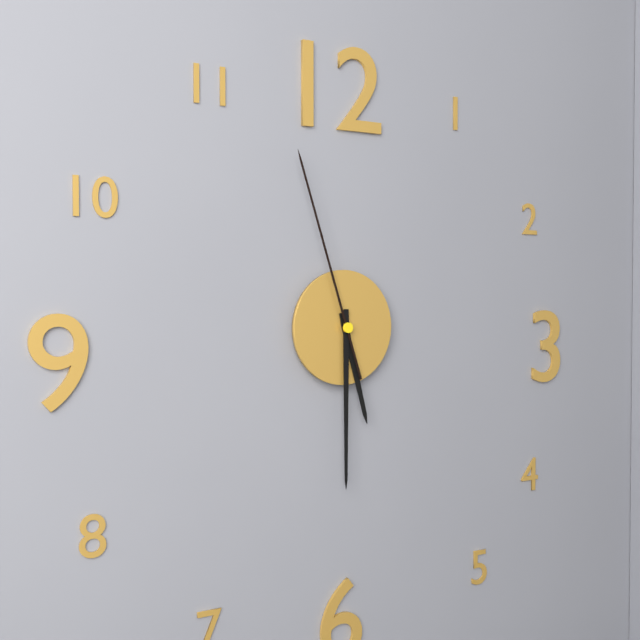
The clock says 5,30,57
